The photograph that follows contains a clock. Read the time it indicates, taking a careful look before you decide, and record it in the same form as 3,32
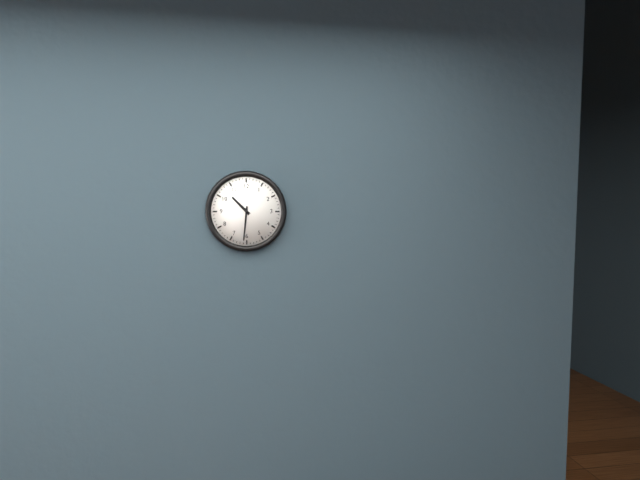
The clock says 10,31
